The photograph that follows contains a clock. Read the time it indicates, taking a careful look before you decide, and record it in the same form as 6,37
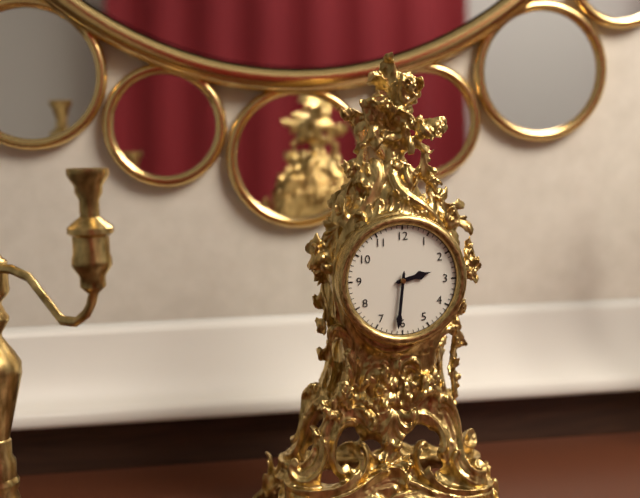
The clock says 2,31
